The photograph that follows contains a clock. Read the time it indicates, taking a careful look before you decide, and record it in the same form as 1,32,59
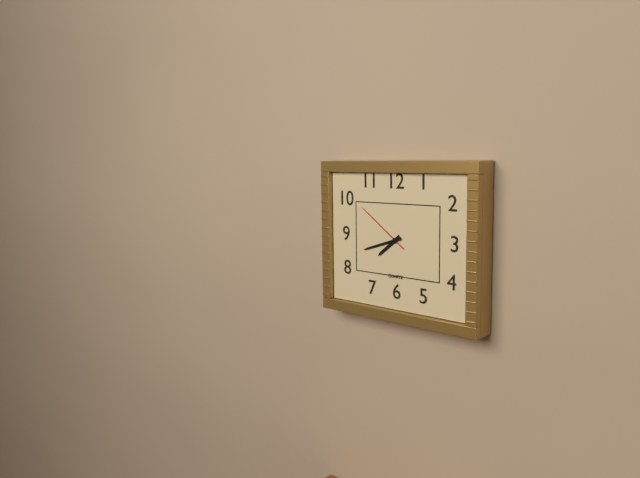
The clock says 7,42,51
